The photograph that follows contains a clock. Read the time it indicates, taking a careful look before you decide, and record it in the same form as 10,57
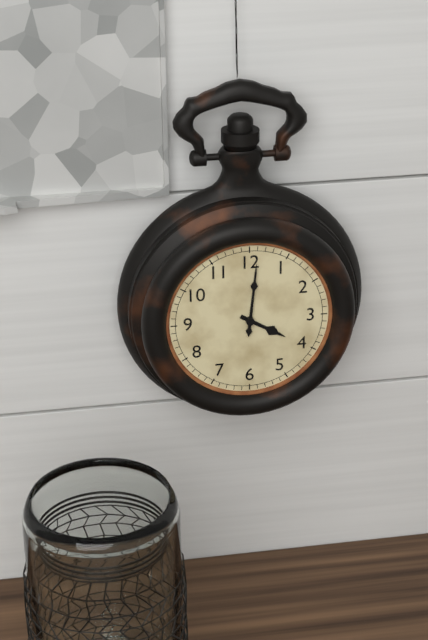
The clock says 4,01
